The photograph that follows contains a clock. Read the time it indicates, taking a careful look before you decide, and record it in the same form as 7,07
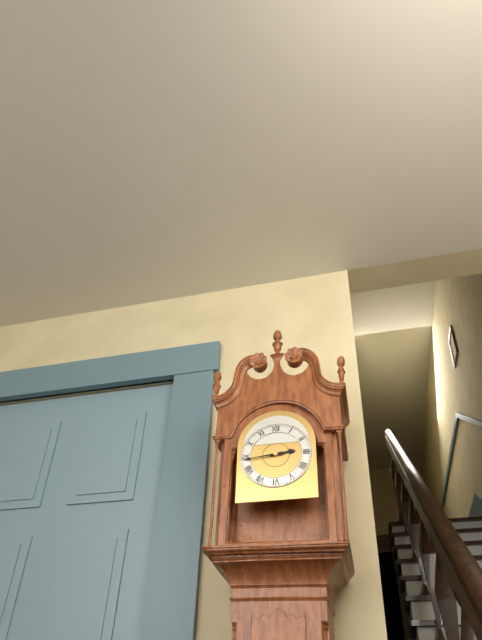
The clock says 2,44
